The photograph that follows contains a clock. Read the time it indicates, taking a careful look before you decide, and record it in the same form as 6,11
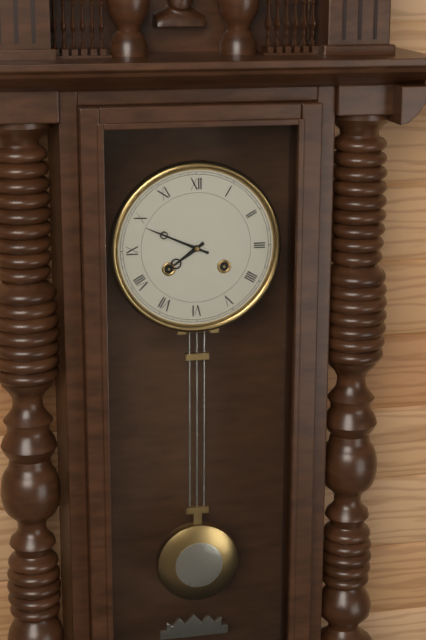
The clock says 7,49
